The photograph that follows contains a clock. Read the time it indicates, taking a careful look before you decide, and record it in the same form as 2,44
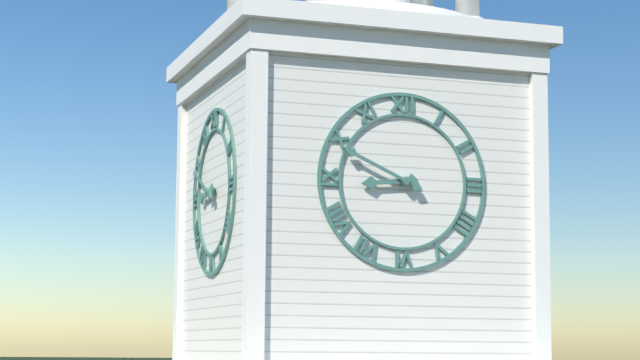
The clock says 8,49
